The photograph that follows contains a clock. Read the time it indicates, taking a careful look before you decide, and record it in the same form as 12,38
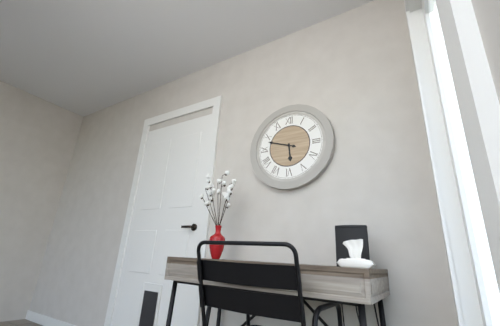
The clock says 5,48
